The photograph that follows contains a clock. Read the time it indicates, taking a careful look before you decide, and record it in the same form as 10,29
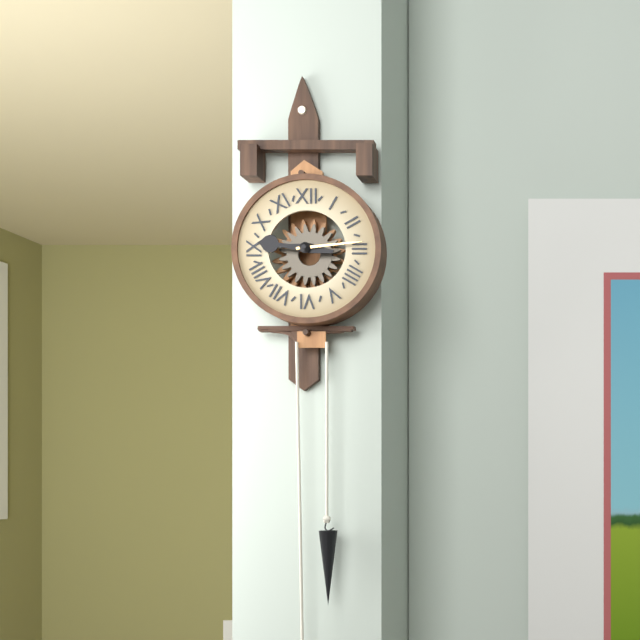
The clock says 9,14
